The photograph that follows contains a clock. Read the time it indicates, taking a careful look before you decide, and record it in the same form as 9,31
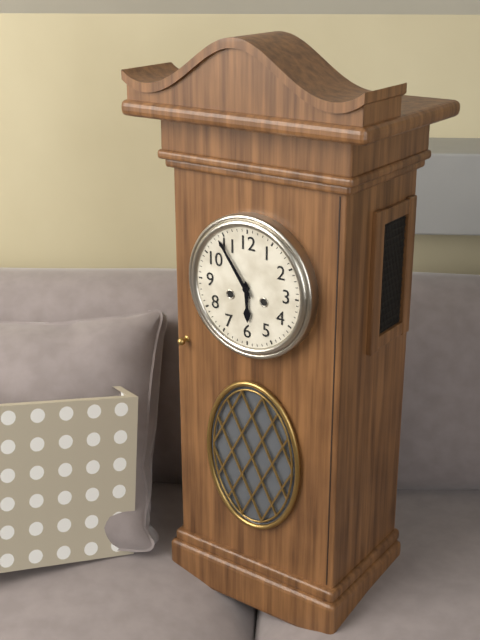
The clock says 5,54
